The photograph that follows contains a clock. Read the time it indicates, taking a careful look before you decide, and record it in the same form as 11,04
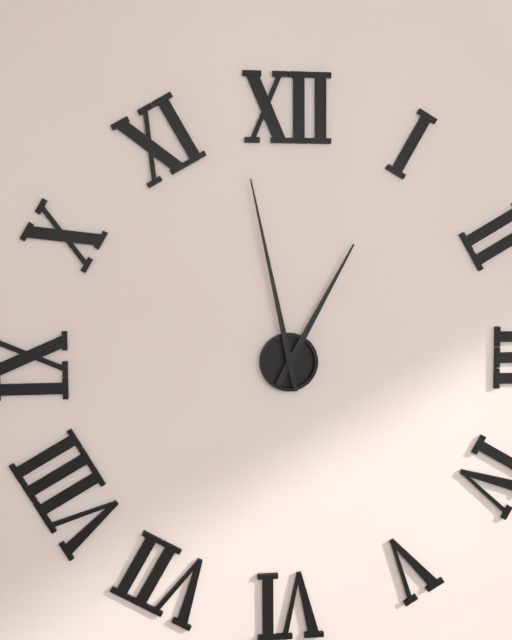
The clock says 12,58
